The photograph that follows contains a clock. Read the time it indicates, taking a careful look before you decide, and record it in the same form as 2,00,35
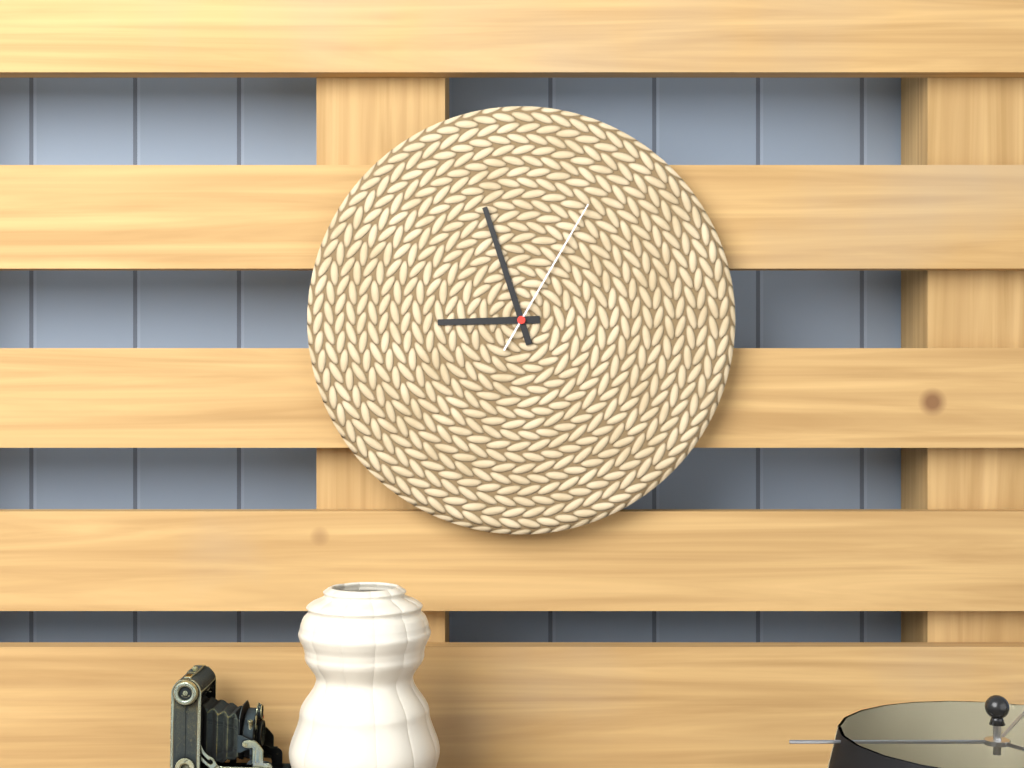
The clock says 8,57,05
